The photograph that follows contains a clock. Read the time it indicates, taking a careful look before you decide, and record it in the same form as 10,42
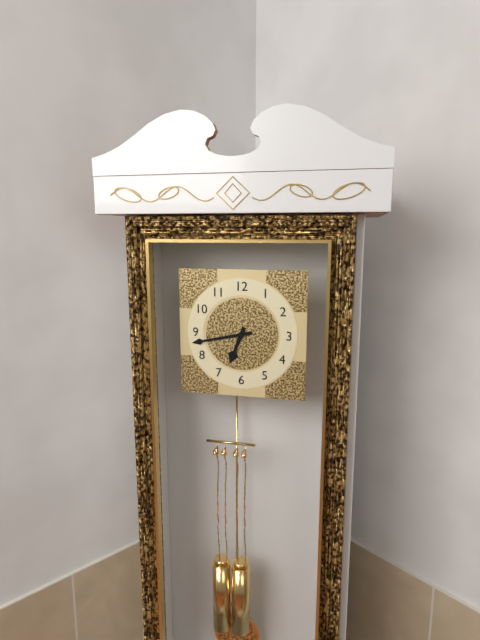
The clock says 6,43
